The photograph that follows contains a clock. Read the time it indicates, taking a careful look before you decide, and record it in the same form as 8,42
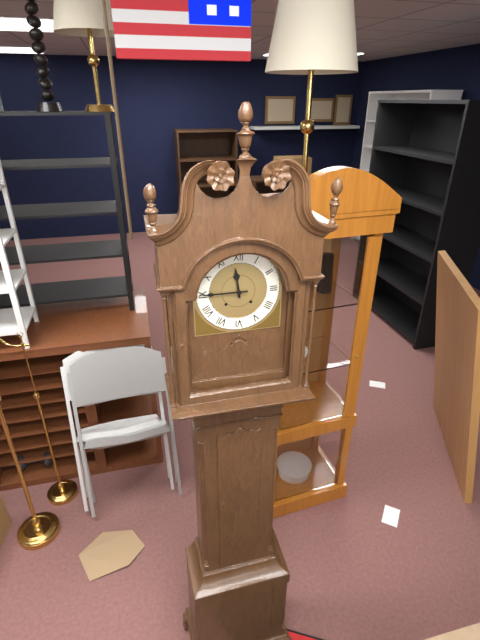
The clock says 11,45
